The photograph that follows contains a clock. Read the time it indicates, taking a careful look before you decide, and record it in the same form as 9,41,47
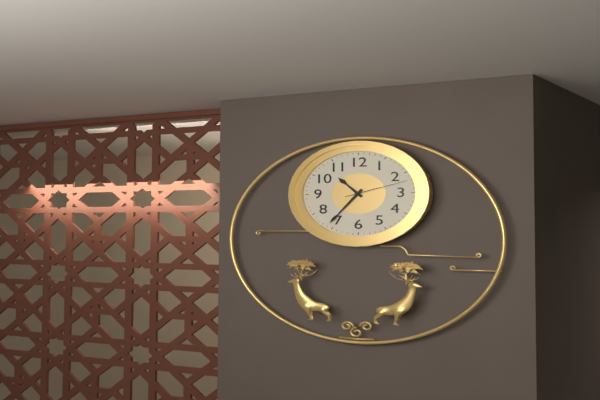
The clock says 10,36,12
